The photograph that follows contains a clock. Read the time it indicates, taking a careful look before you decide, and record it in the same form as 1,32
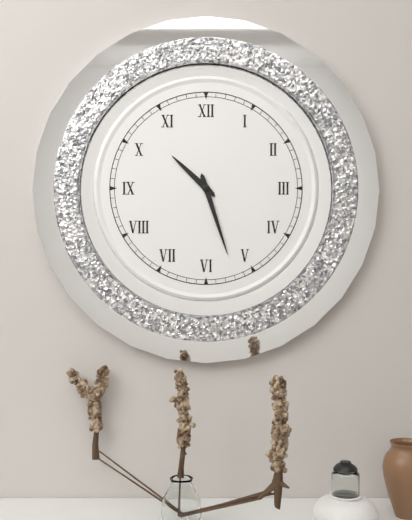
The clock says 10,27
